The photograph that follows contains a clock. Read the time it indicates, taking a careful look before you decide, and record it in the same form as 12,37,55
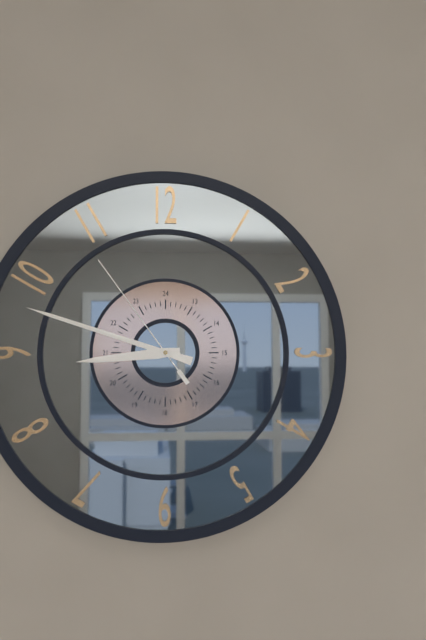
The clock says 8,48,54
